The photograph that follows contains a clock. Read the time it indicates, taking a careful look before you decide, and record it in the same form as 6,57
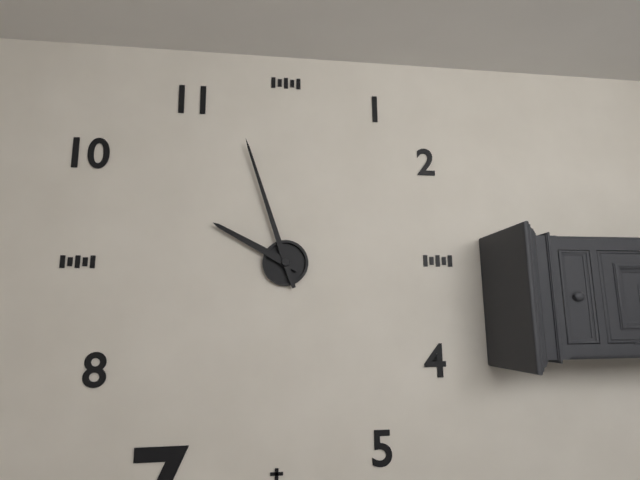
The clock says 9,57
